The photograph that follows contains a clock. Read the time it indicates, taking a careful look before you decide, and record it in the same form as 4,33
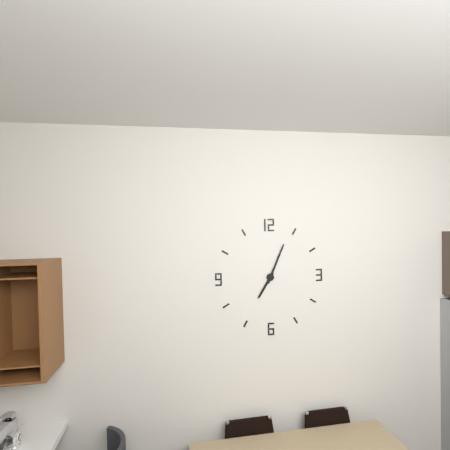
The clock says 7,04
